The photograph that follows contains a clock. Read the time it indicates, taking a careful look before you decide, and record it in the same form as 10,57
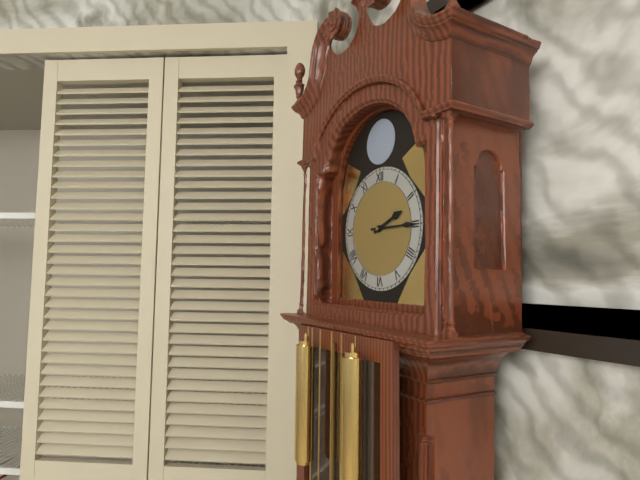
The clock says 2,15
